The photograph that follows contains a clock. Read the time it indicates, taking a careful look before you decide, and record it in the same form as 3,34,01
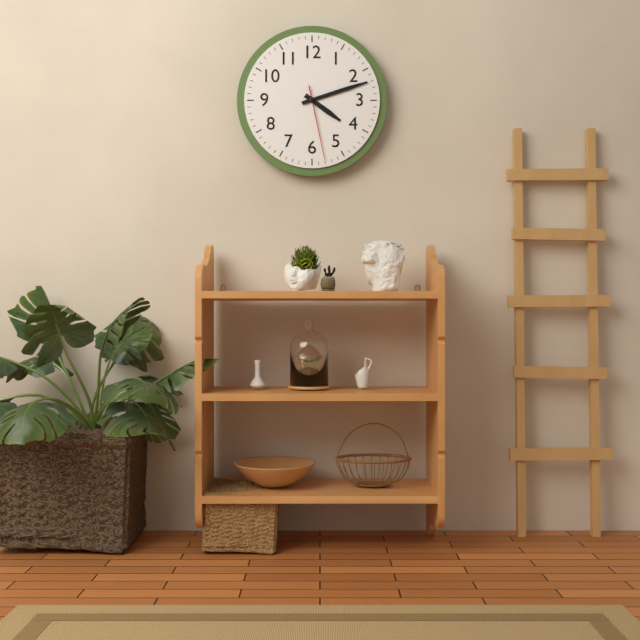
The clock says 4,12,28
